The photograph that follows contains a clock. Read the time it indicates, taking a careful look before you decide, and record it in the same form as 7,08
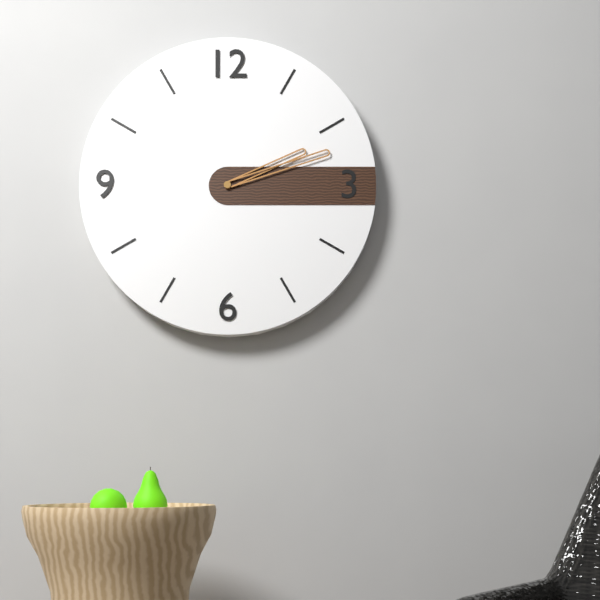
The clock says 2,12
